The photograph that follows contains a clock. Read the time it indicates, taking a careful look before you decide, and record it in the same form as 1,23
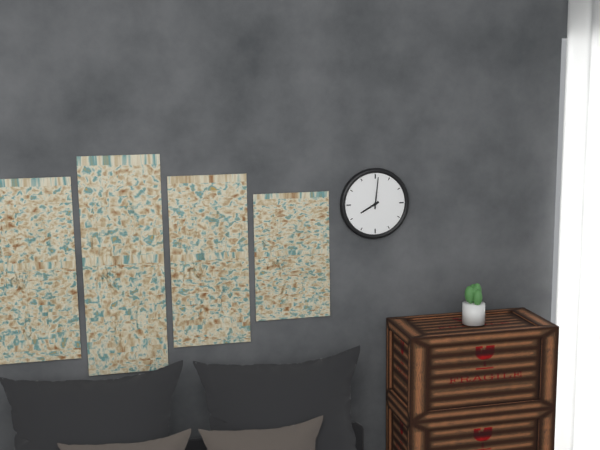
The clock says 8,01
